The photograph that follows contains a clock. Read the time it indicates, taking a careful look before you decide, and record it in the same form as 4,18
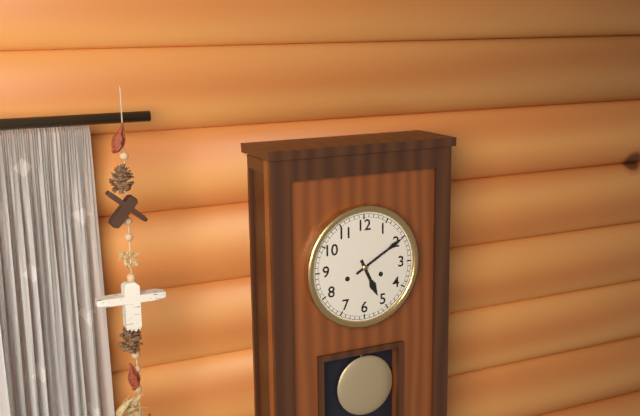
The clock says 5,10
